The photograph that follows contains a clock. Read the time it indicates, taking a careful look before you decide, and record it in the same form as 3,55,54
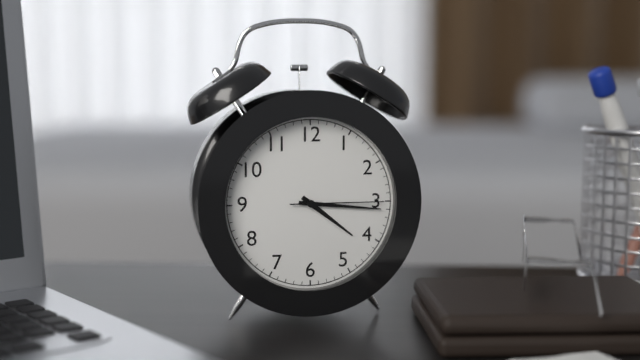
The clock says 4,16,15
